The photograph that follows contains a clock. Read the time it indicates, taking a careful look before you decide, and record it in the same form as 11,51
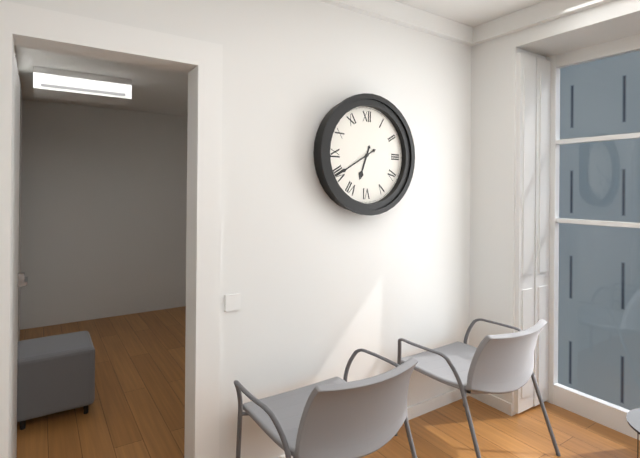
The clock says 6,40
